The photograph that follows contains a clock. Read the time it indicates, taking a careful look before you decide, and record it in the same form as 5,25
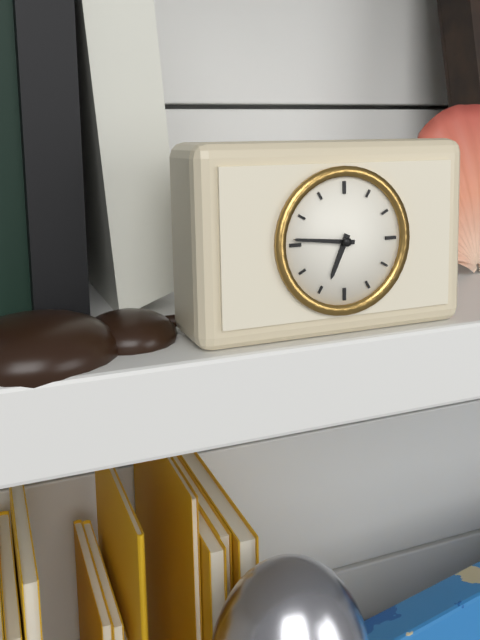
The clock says 6,46
